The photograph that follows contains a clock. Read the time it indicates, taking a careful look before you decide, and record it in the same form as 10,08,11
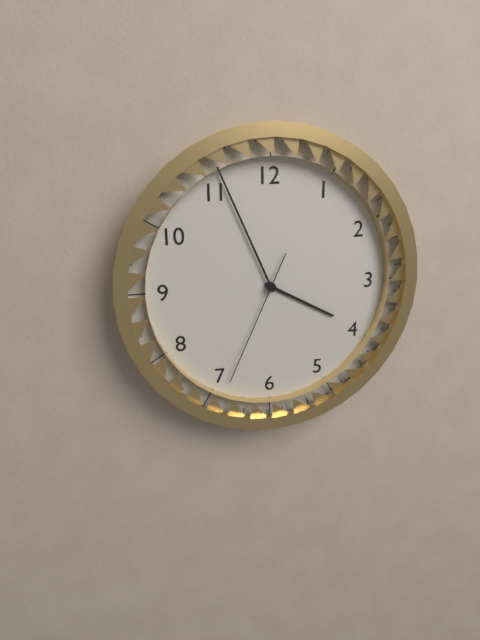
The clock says 3,56,34
